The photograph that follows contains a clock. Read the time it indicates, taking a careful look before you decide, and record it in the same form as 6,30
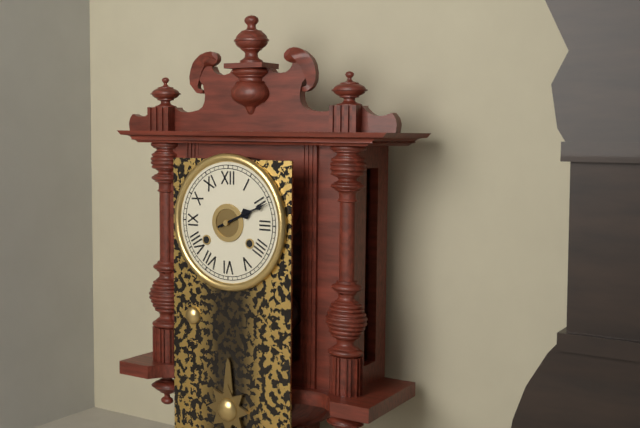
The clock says 2,11
